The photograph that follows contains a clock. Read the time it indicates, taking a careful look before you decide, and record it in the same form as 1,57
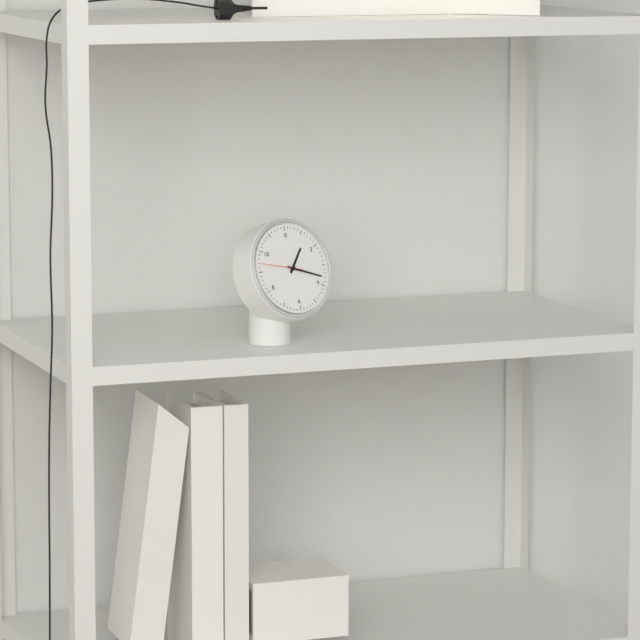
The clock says 1,18
